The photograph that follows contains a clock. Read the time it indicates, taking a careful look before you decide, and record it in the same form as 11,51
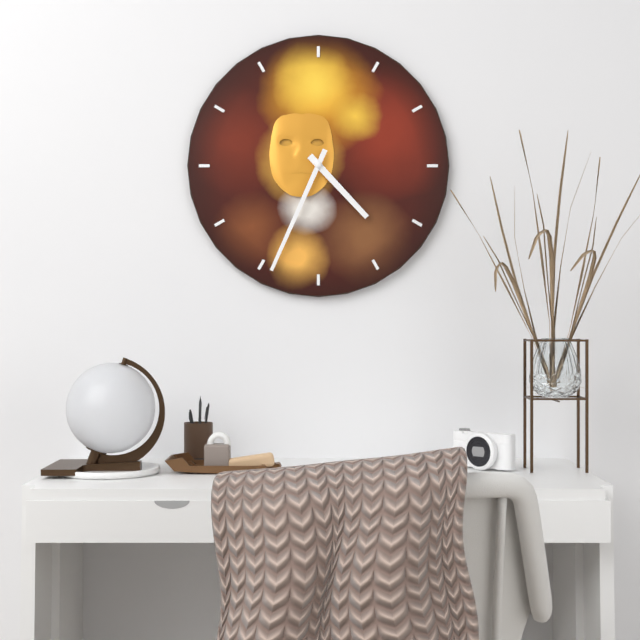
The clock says 4,34
